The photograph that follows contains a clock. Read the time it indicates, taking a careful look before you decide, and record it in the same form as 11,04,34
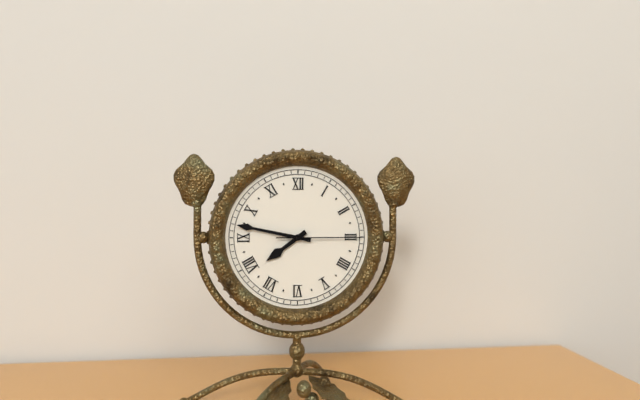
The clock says 7,47,15
